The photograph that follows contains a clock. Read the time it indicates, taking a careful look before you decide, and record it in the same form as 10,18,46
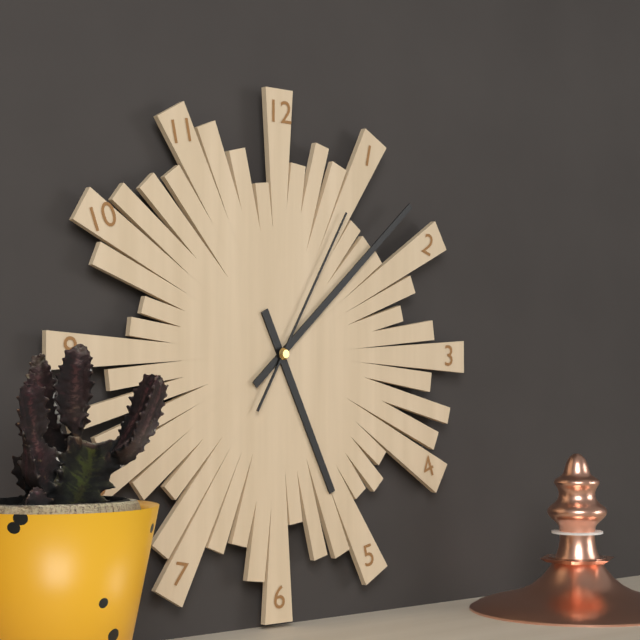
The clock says 5,08,05
